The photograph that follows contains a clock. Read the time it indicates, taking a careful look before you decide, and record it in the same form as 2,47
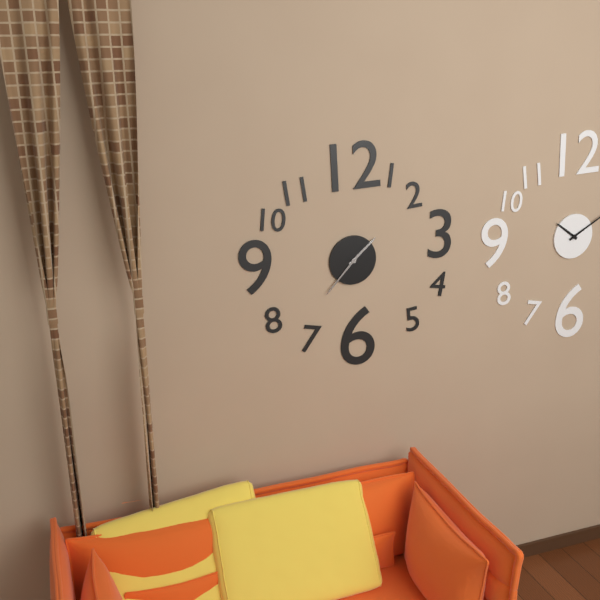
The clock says 1,37
